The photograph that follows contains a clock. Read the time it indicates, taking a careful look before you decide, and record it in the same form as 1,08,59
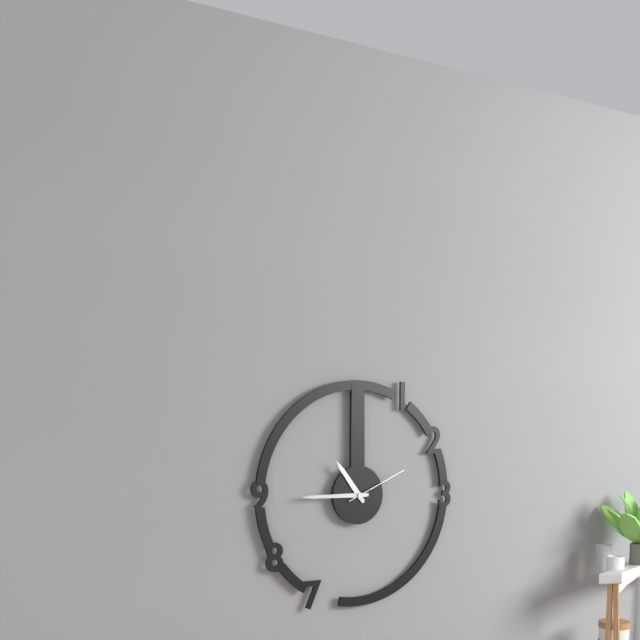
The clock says 10,45,11
